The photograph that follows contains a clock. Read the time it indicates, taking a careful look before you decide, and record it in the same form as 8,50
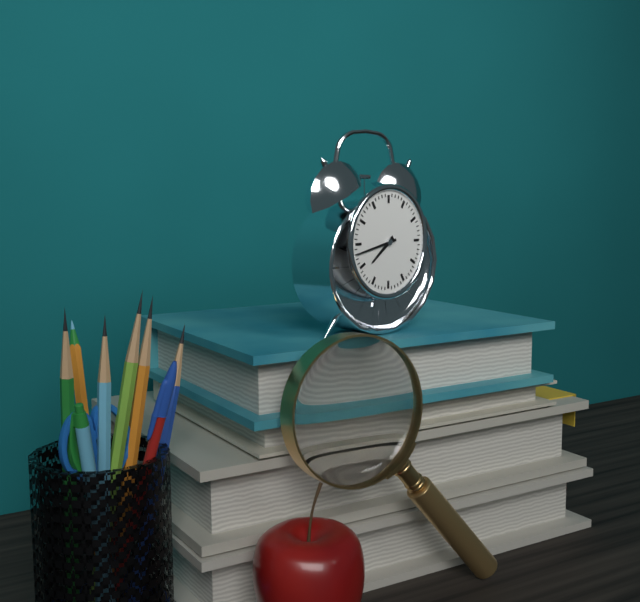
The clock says 7,43
